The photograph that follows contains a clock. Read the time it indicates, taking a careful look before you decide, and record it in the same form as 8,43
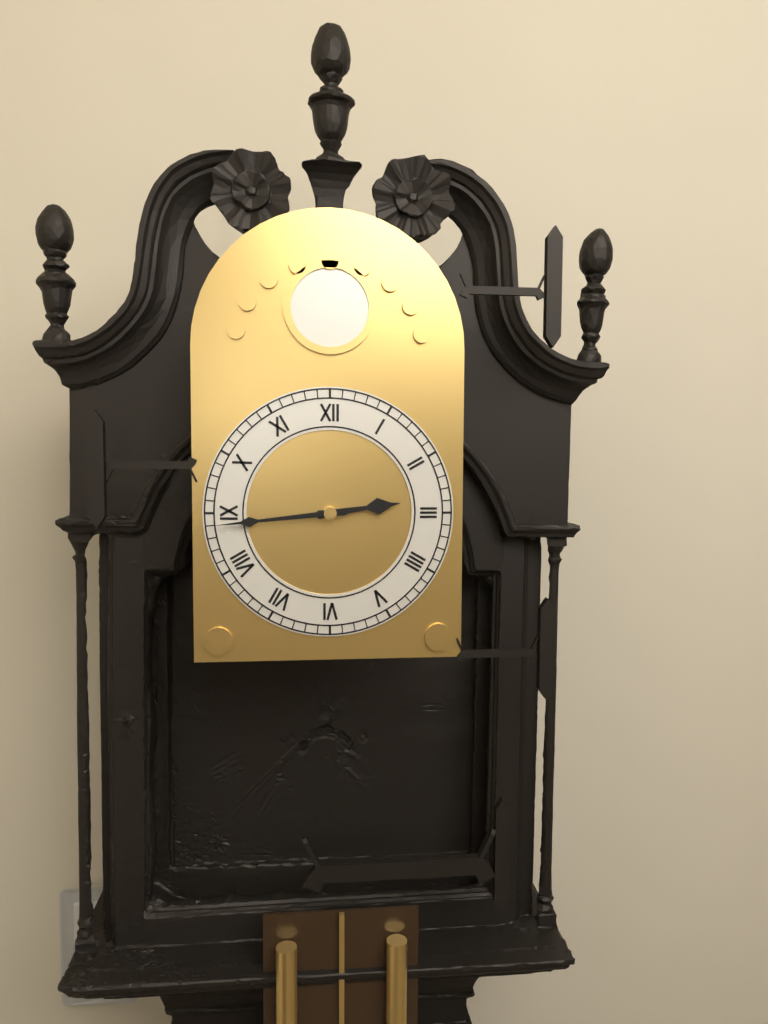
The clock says 2,44
